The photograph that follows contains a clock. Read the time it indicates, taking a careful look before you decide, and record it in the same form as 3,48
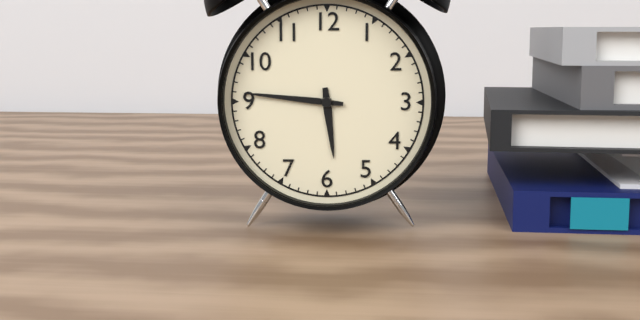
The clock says 5,46
